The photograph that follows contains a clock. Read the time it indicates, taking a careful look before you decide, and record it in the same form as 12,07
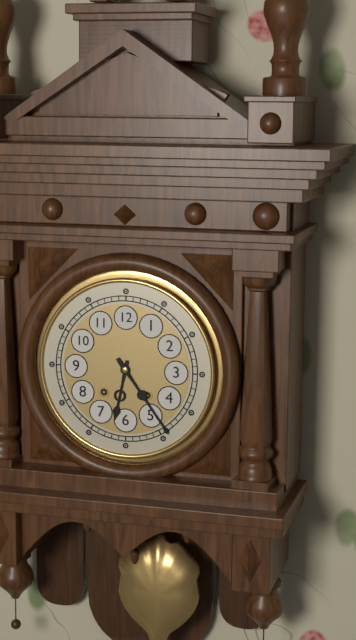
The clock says 6,24
